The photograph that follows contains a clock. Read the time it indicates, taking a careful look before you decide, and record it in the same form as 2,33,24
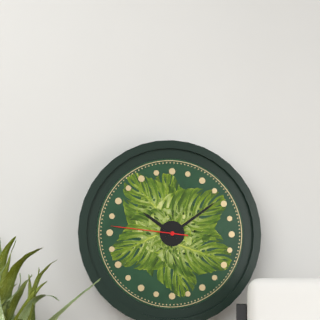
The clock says 10,09,46
